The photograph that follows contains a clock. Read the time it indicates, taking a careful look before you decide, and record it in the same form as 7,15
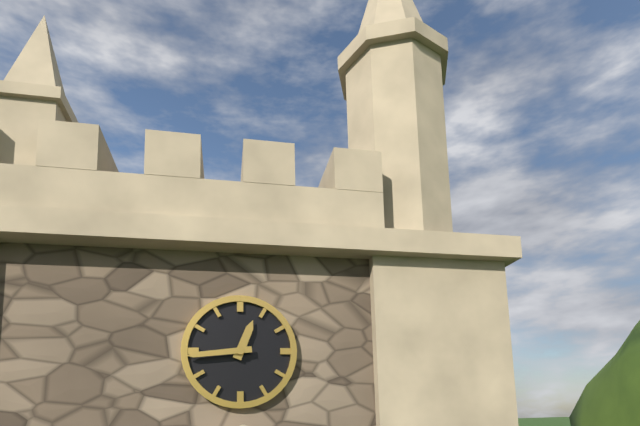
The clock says 12,44
